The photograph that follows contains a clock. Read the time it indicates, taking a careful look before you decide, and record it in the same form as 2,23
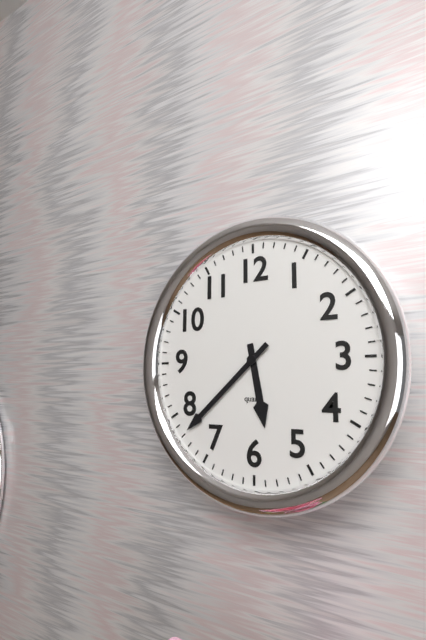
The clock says 5,38
